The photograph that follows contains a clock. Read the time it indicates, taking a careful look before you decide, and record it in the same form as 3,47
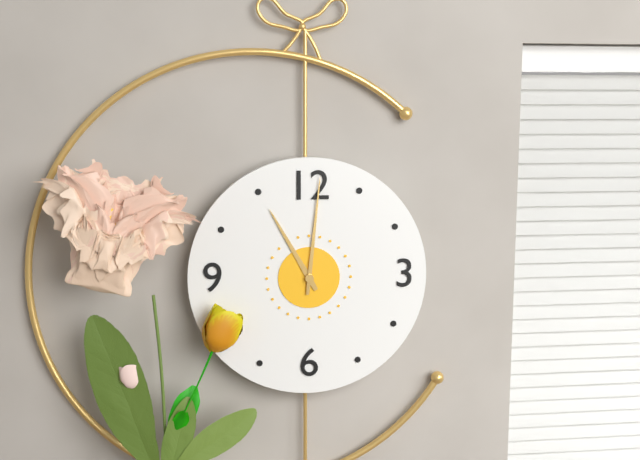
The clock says 11,01
